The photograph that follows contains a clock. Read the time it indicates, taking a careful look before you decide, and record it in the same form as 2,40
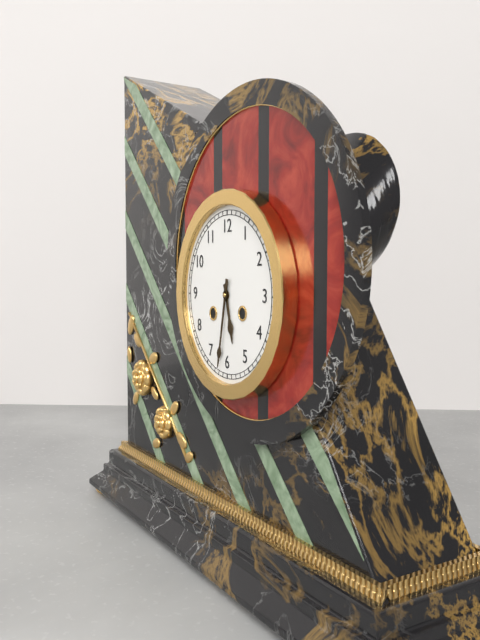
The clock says 5,32
